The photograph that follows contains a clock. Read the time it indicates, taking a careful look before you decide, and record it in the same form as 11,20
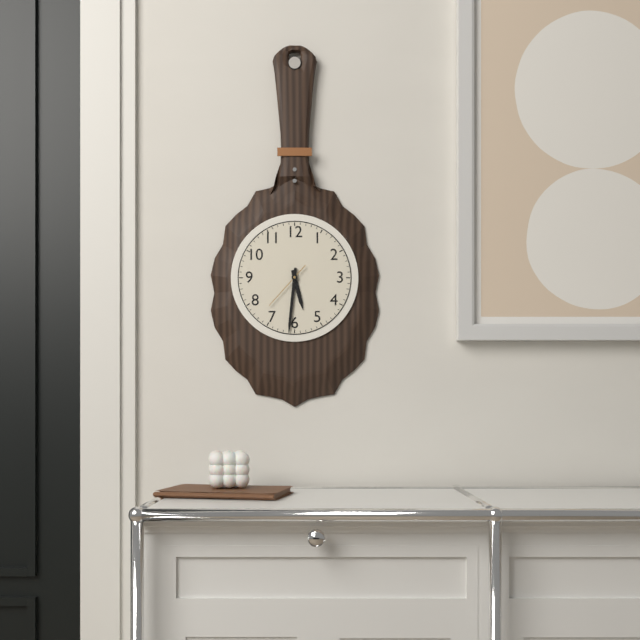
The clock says 5,31
